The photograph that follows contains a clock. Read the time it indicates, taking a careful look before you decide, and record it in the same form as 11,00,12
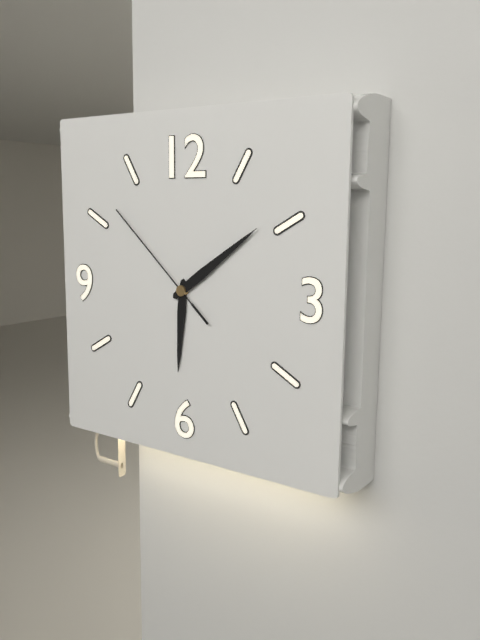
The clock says 6,09,52
